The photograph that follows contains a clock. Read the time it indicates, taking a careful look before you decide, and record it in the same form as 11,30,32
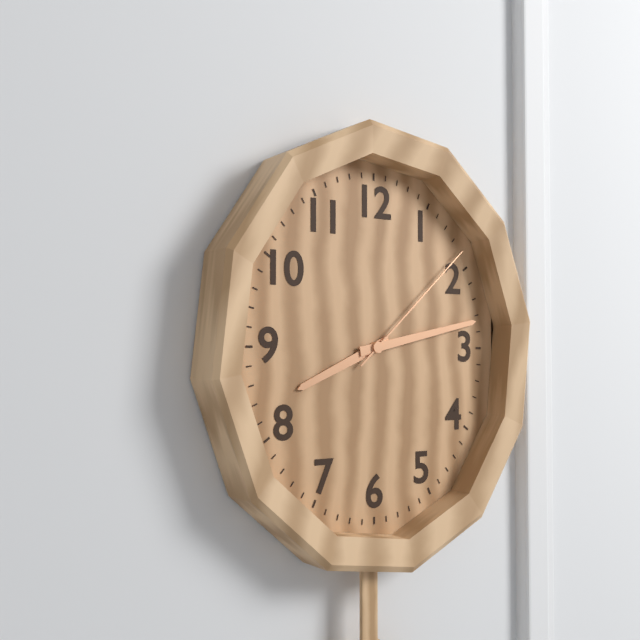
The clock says 8,13,08
